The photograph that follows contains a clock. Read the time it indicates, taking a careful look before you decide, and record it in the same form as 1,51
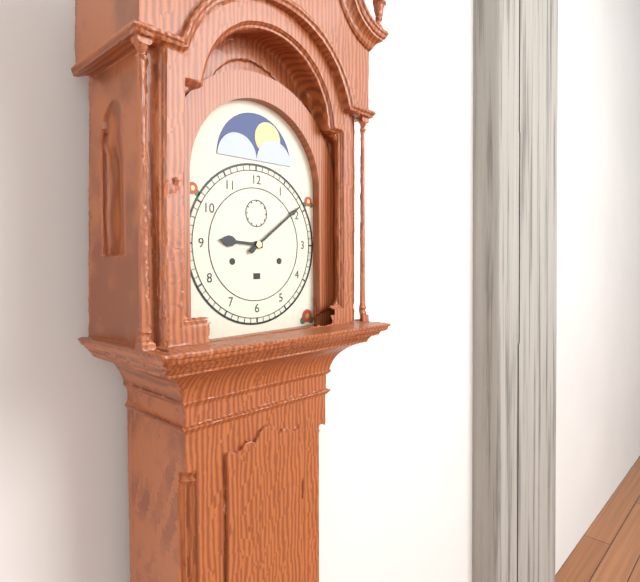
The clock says 9,09
